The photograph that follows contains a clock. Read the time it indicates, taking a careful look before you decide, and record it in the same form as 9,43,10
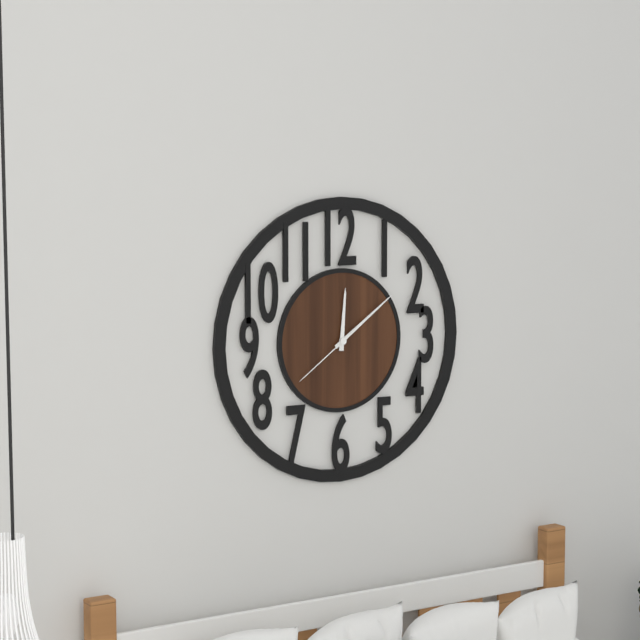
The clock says 12,09,39
